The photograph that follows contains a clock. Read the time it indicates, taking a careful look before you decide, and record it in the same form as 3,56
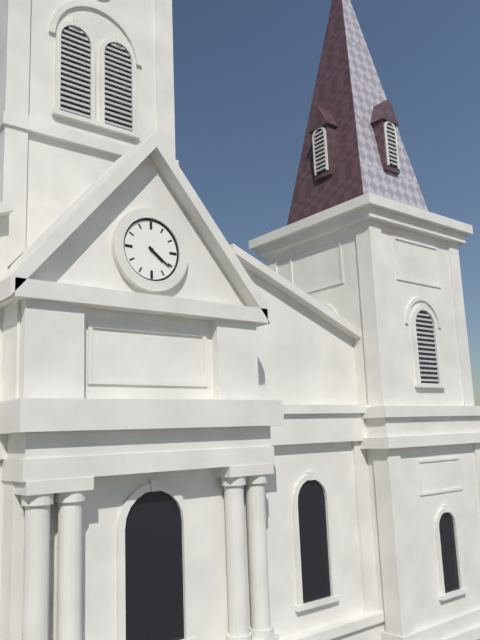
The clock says 4,21
